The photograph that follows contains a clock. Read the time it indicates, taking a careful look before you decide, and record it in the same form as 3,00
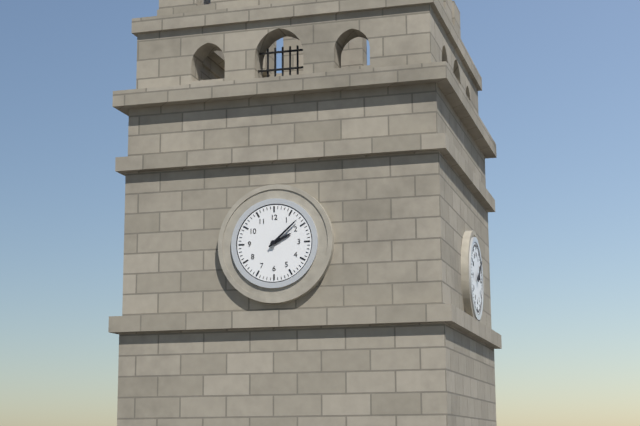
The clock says 2,08
